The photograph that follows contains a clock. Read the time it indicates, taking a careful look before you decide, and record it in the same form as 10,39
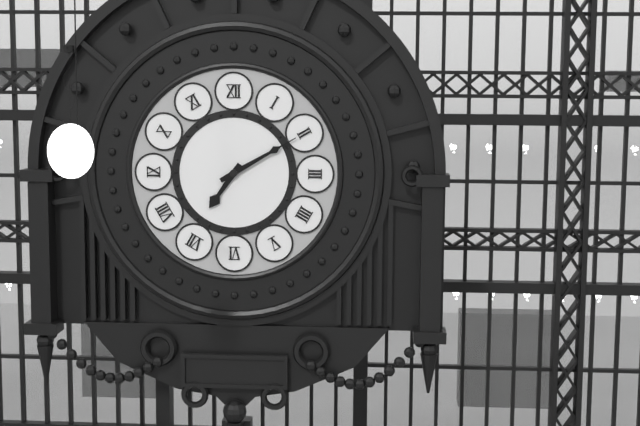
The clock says 7,10
